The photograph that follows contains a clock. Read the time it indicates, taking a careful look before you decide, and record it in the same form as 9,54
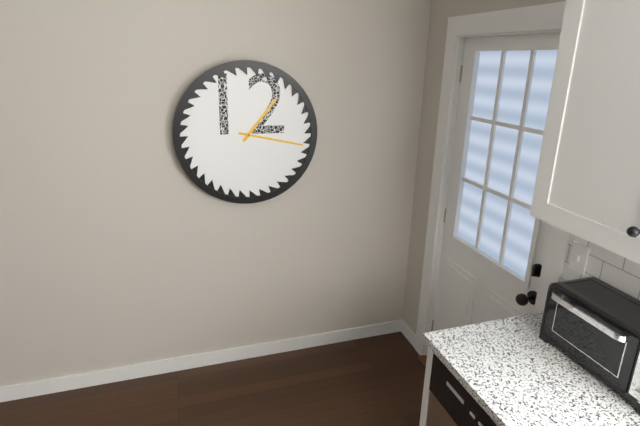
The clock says 1,17
